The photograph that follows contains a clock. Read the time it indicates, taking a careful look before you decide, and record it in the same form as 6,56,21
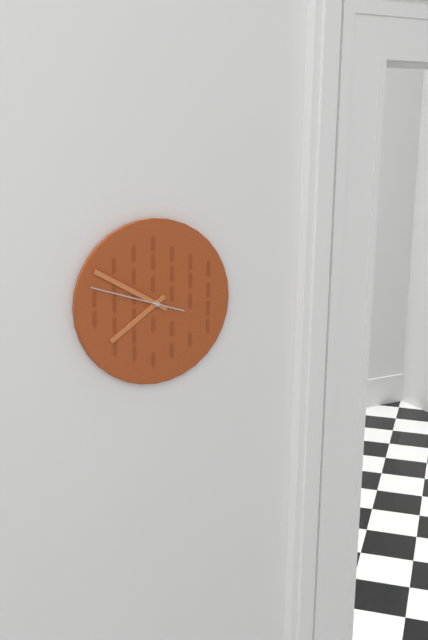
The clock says 7,50,48
